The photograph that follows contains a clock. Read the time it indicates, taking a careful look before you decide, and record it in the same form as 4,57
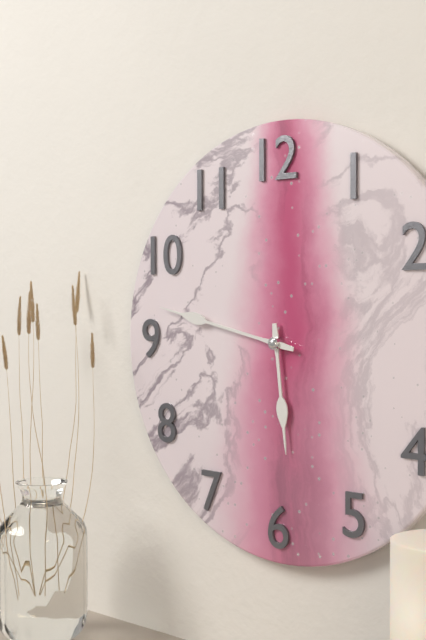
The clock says 5,47
